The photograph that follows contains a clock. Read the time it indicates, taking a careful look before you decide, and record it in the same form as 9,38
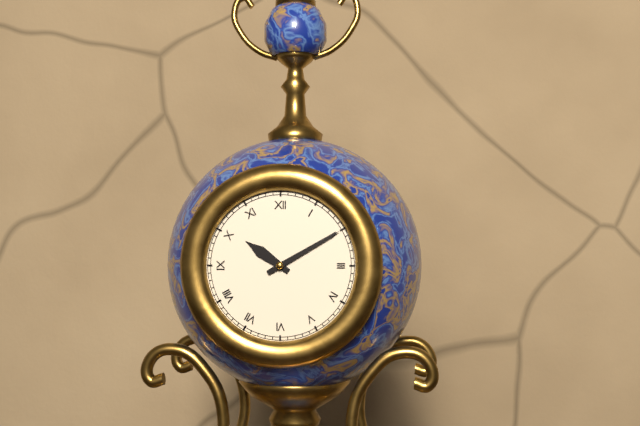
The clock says 10,10
